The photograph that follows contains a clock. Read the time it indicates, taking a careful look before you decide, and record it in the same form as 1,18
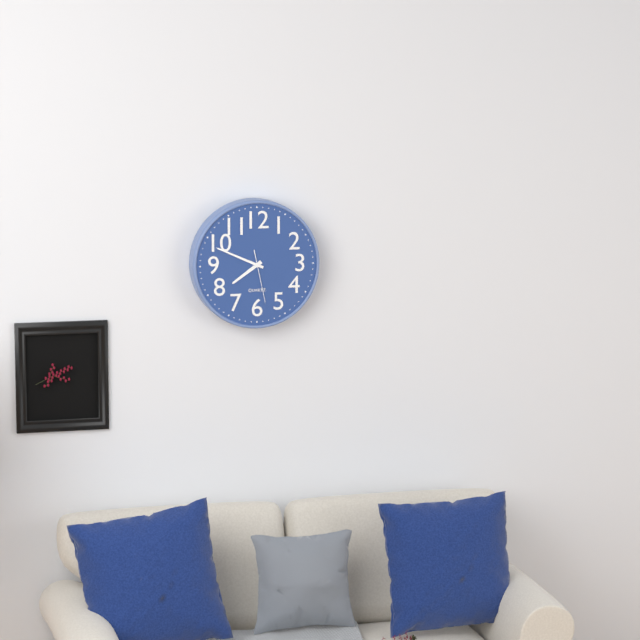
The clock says 7,49
